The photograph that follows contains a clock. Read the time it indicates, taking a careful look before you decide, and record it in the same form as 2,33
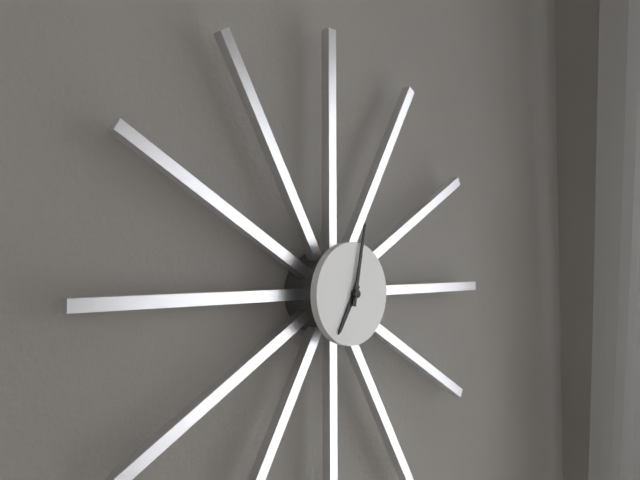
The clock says 7,02
